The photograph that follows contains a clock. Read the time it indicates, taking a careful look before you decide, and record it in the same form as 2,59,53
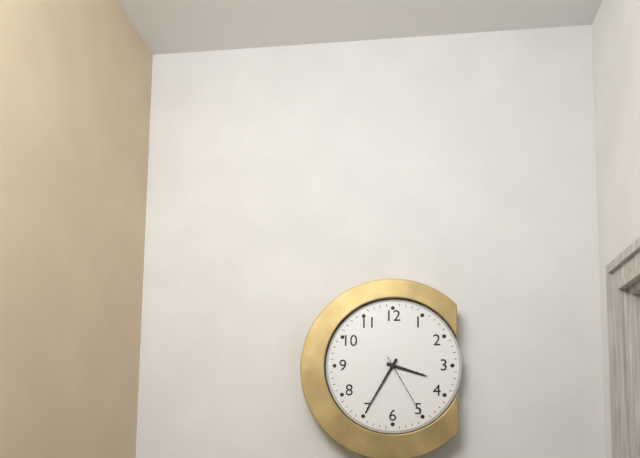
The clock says 3,35,25
